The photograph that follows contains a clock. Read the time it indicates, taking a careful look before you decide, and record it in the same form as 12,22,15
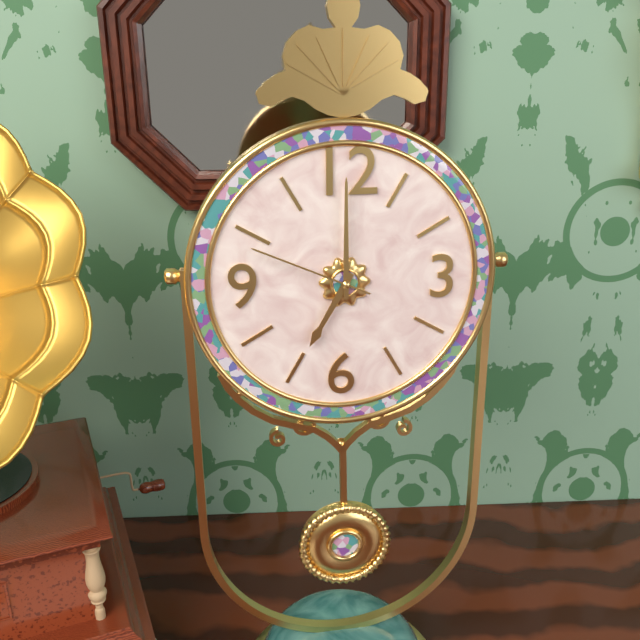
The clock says 7,00,49
